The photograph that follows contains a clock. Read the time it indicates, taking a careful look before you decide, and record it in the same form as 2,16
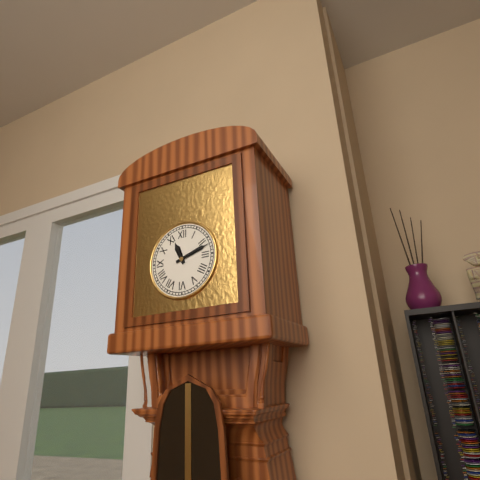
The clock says 11,12
